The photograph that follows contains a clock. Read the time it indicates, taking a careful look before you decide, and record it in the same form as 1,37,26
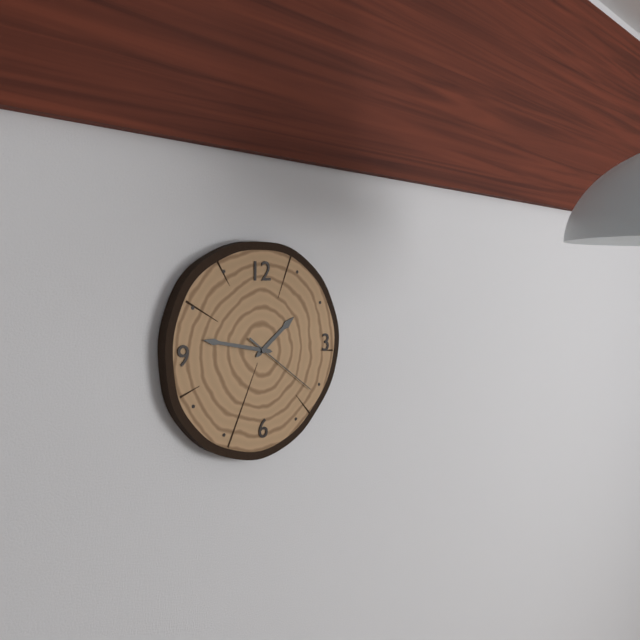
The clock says 1,47,21
